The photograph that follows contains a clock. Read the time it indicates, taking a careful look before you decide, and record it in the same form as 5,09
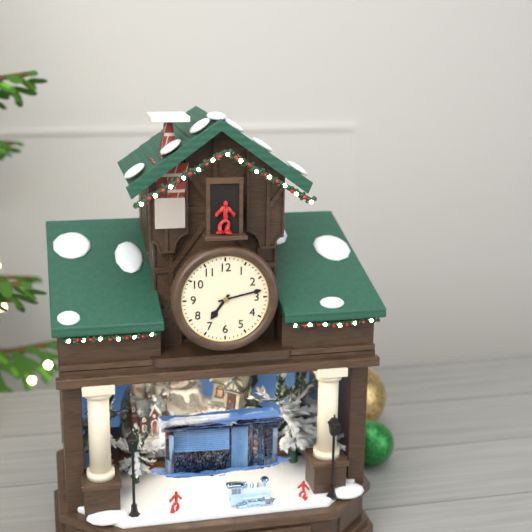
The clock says 7,13
